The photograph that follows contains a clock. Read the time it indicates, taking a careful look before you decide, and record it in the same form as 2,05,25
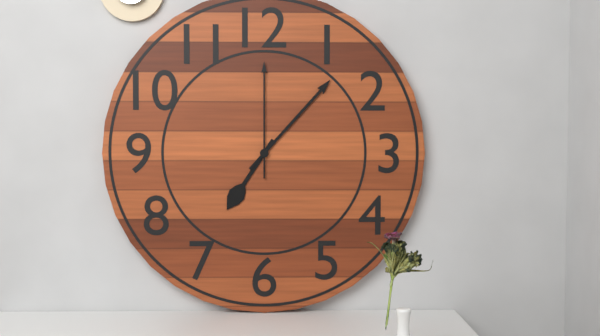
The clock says 7,07,00
